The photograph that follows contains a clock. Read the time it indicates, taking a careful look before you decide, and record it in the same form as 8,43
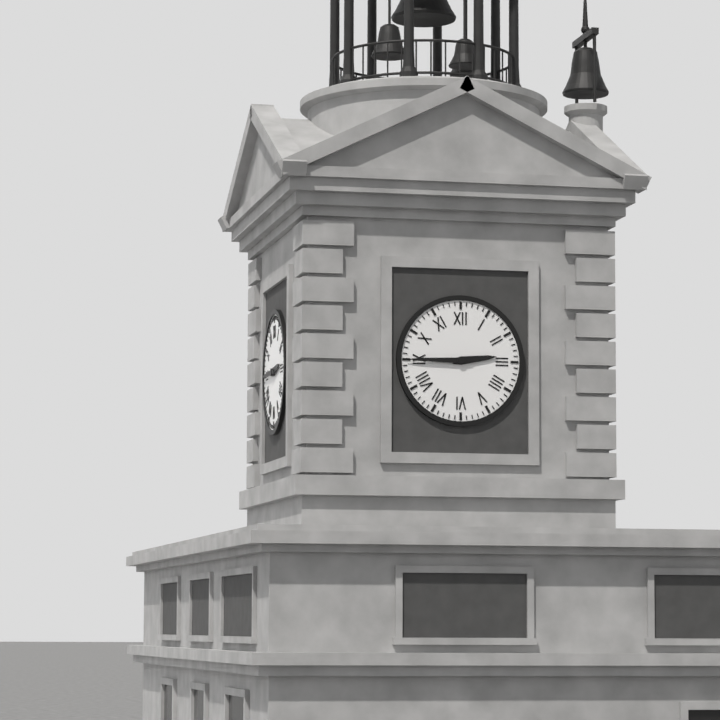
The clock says 2,45
